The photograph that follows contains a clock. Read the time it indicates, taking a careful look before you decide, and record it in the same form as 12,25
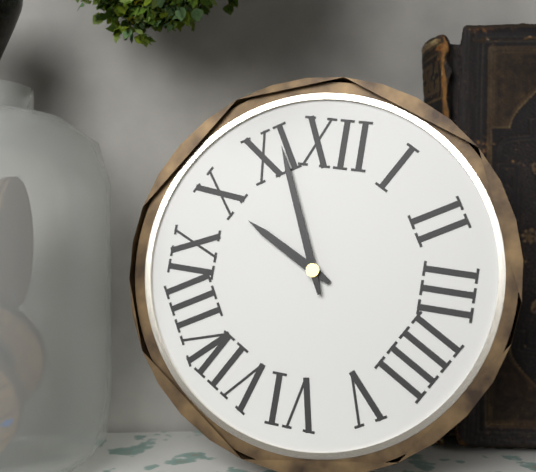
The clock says 9,56
